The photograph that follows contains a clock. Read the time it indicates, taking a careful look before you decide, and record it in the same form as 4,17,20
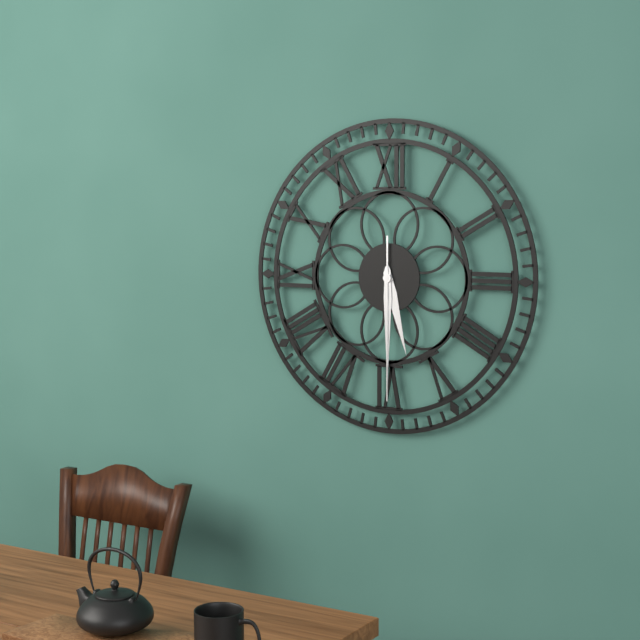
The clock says 5,30,30
